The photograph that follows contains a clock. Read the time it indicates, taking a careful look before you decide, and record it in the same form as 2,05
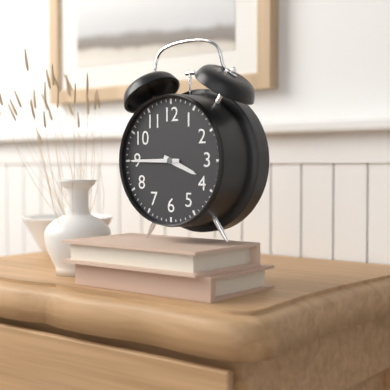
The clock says 3,45
